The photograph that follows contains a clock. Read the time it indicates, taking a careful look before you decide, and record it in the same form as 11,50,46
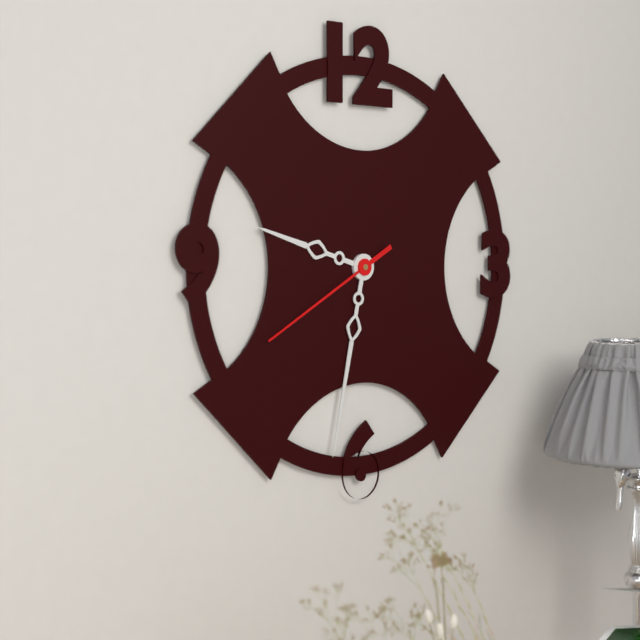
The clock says 9,32,40
